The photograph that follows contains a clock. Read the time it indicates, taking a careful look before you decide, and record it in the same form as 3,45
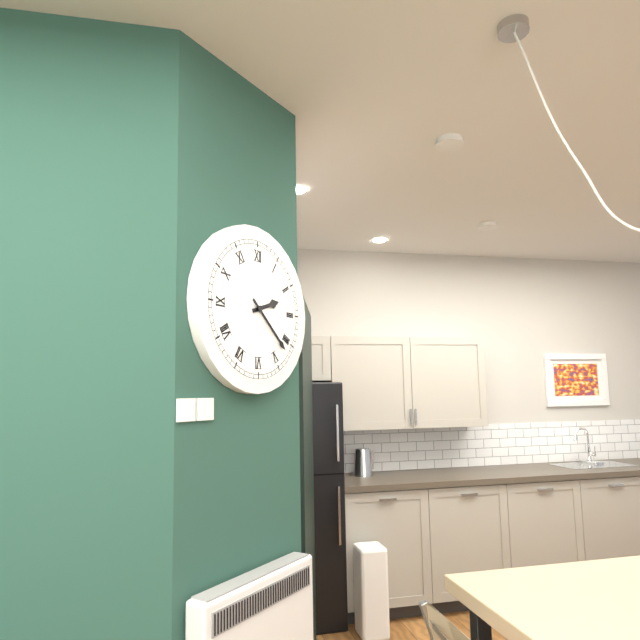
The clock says 2,22
